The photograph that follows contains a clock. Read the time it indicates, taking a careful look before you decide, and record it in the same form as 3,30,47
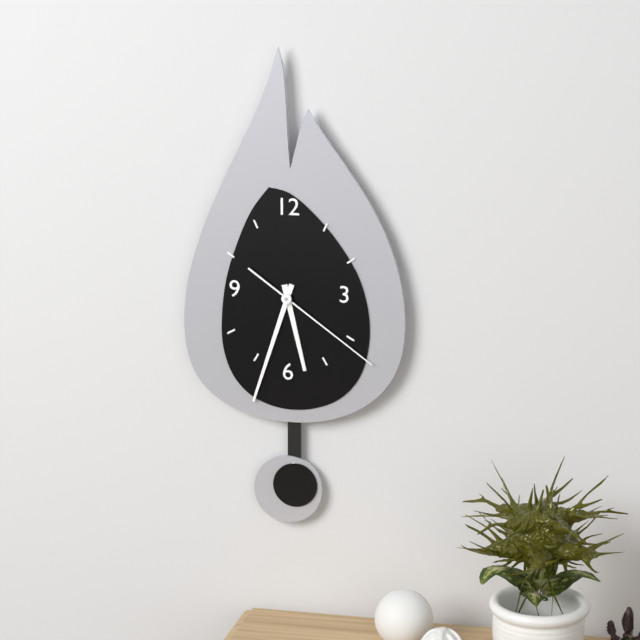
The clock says 5,33,21
